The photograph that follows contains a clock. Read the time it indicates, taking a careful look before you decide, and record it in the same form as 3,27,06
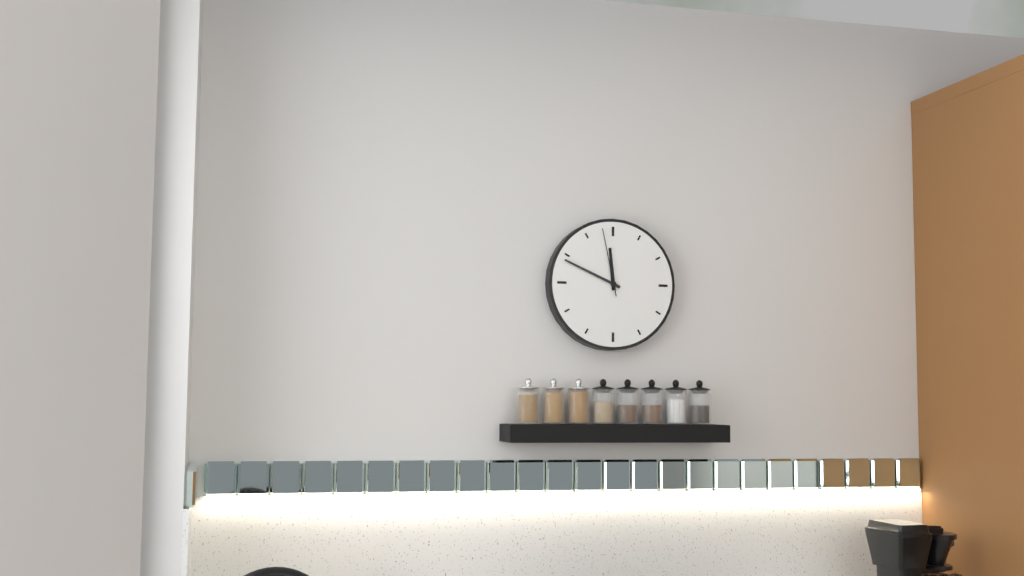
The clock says 11,49,58
